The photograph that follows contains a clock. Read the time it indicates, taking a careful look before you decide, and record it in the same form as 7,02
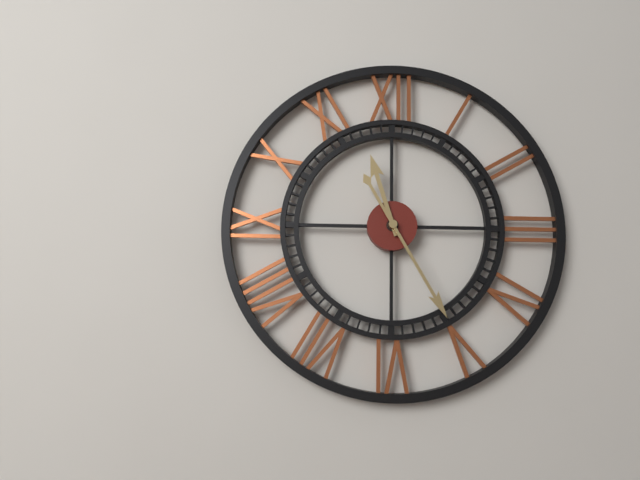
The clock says 11,25
